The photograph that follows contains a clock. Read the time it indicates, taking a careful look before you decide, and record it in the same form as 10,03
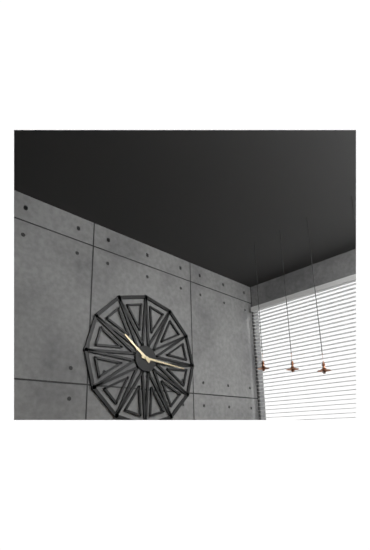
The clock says 10,16
